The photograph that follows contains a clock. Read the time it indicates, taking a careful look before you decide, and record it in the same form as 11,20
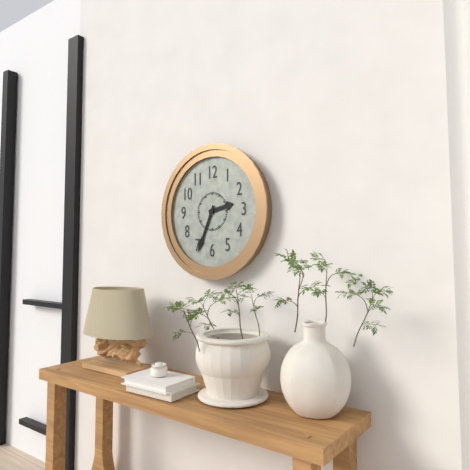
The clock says 2,34
